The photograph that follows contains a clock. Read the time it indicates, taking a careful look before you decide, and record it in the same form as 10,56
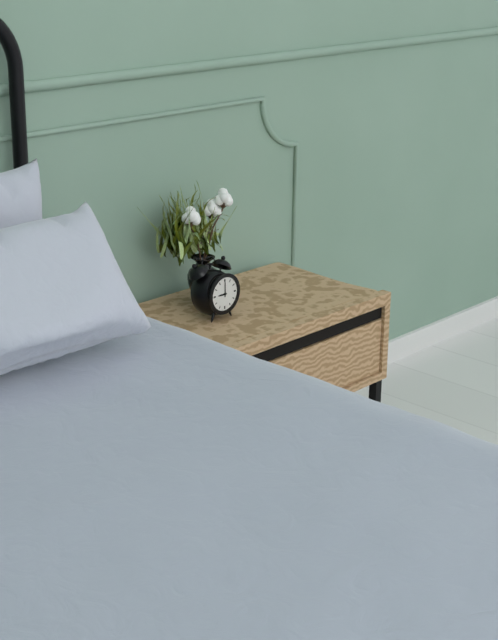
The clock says 9,00
